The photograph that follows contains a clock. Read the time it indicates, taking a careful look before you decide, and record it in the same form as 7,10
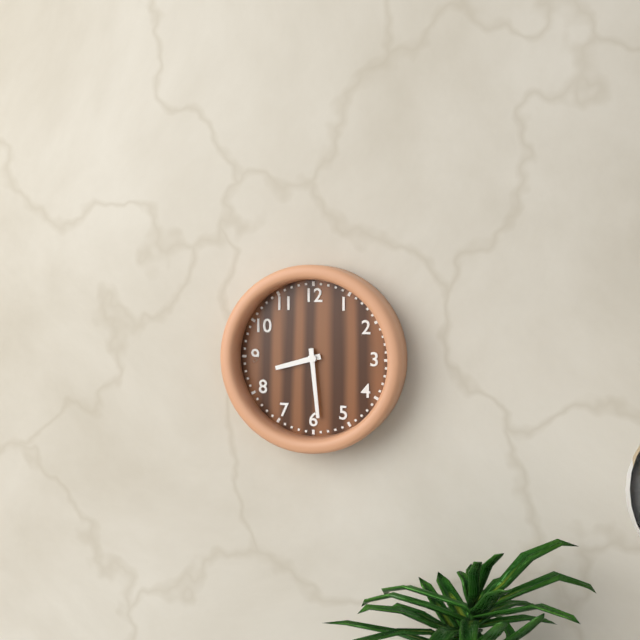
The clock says 8,29
